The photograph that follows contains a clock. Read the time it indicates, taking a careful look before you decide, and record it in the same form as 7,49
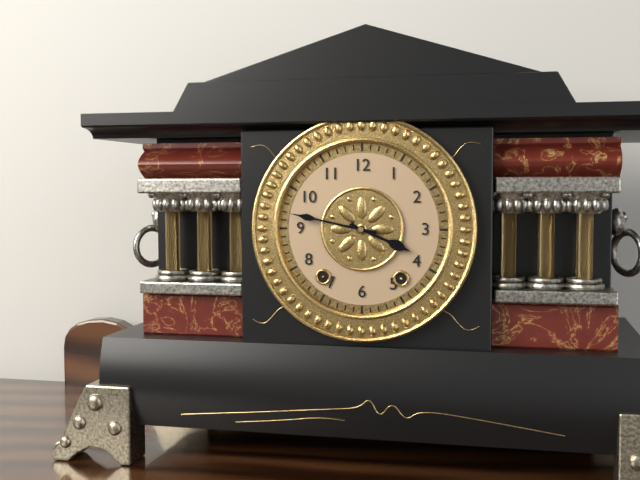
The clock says 3,47
